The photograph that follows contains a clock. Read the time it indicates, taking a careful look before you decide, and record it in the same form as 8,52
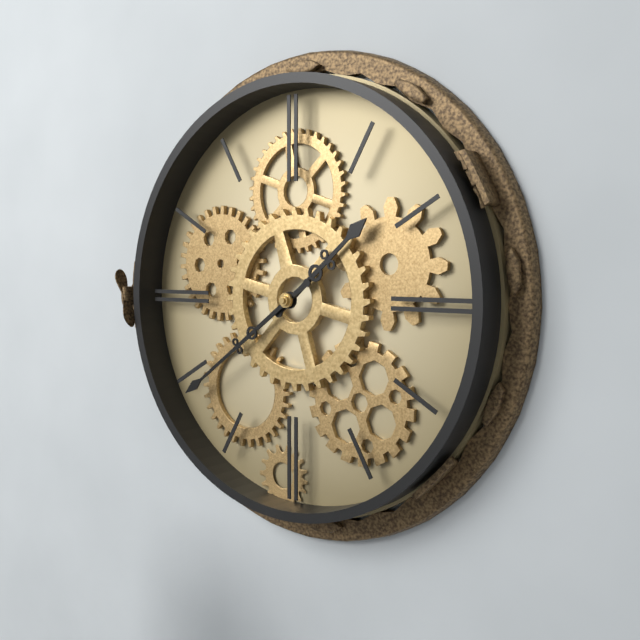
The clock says 1,39
